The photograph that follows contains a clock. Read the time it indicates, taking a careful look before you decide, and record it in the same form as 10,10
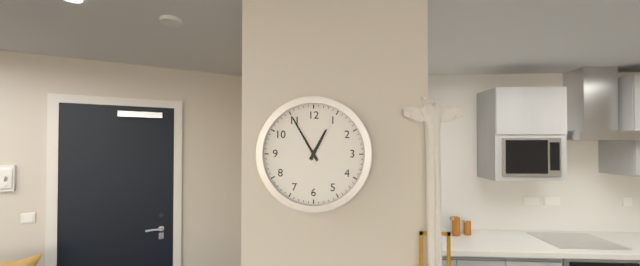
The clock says 12,55
